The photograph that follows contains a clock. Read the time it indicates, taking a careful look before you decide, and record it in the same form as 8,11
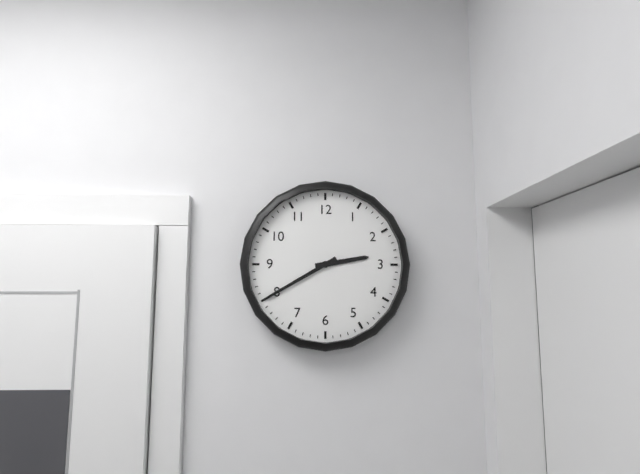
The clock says 2,40
